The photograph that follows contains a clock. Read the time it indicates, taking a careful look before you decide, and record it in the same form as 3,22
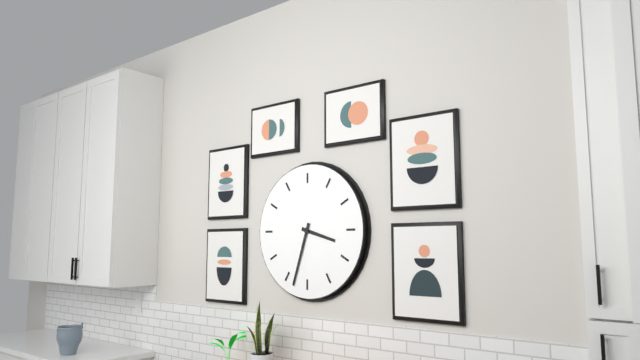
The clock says 3,33
